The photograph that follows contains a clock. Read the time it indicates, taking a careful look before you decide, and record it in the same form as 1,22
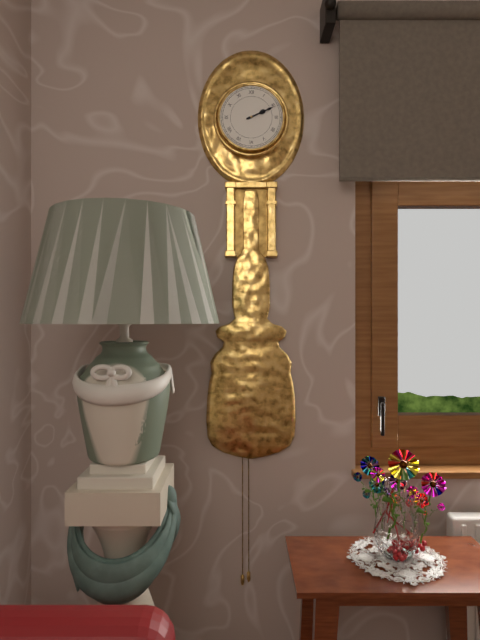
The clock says 2,11
